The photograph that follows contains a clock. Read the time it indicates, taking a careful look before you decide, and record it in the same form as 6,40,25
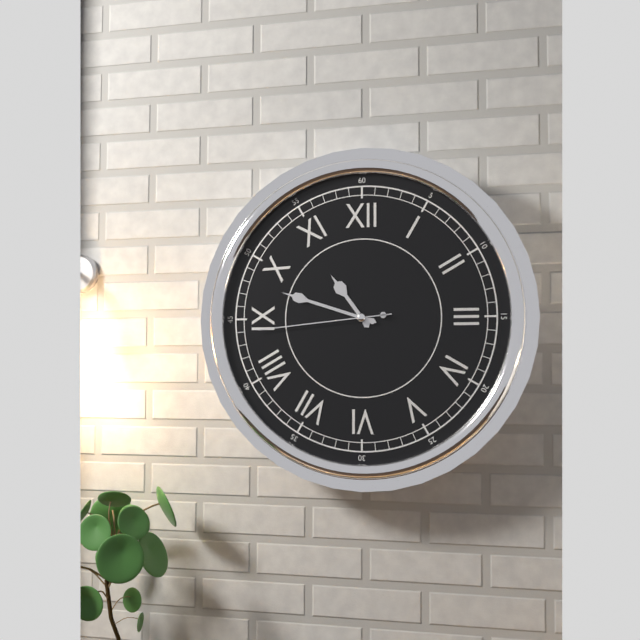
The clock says 10,48,44
